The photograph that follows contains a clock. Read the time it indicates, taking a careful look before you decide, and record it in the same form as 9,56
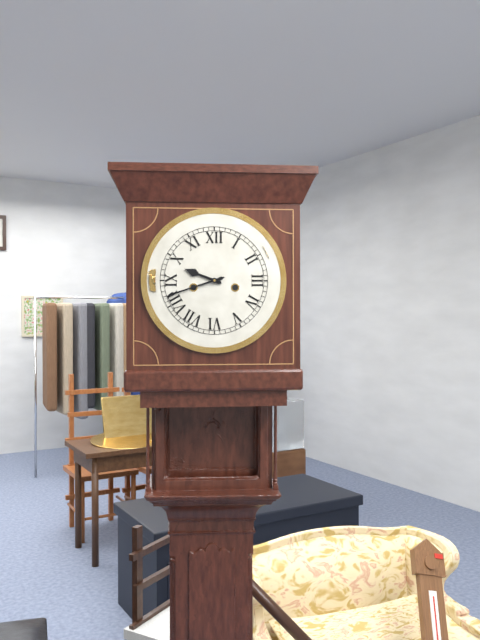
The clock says 9,42
